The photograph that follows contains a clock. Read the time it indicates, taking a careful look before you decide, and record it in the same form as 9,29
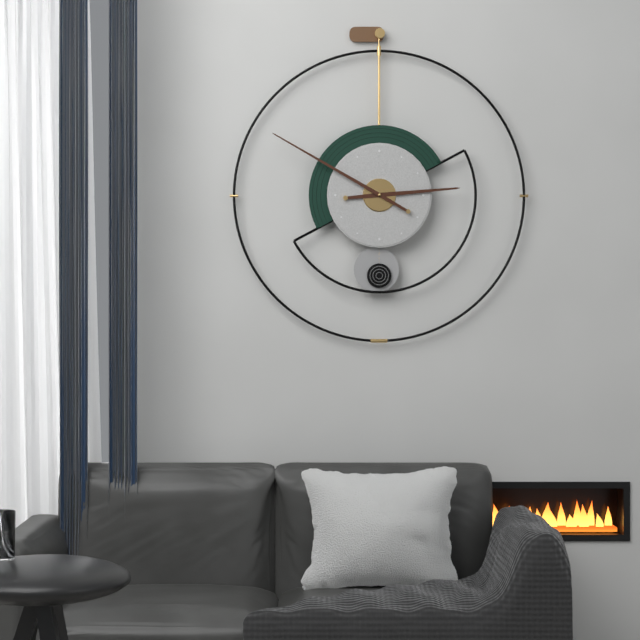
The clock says 2,50
